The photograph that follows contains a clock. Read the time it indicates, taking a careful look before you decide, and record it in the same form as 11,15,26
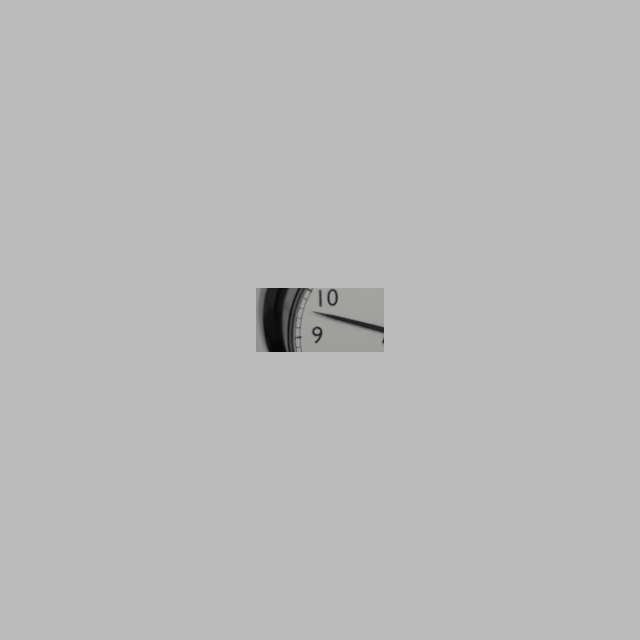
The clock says 12,48,31
